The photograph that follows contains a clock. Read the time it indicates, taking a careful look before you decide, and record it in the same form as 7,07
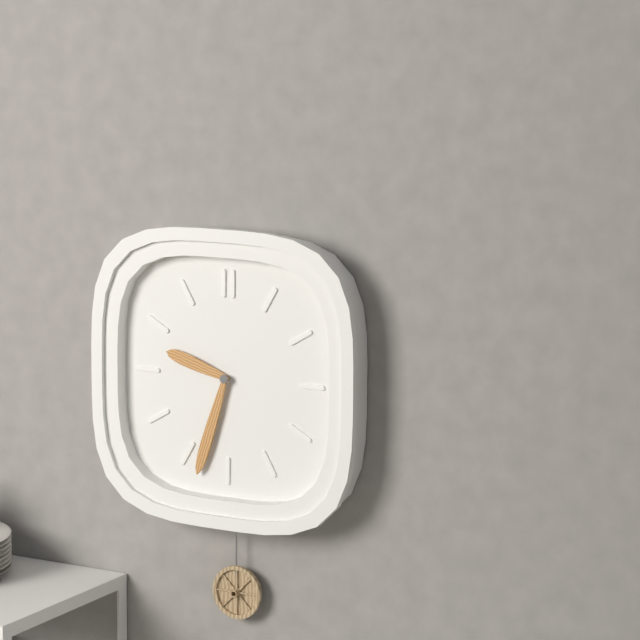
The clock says 9,33
